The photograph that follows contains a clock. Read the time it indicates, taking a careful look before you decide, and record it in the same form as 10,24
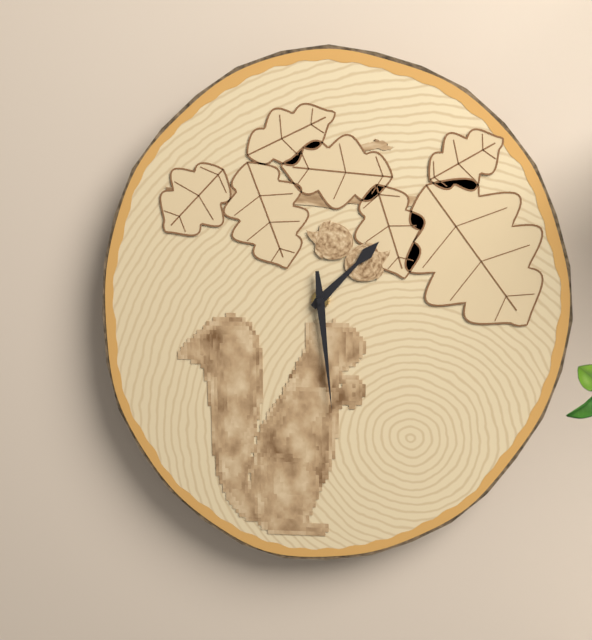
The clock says 1,29
